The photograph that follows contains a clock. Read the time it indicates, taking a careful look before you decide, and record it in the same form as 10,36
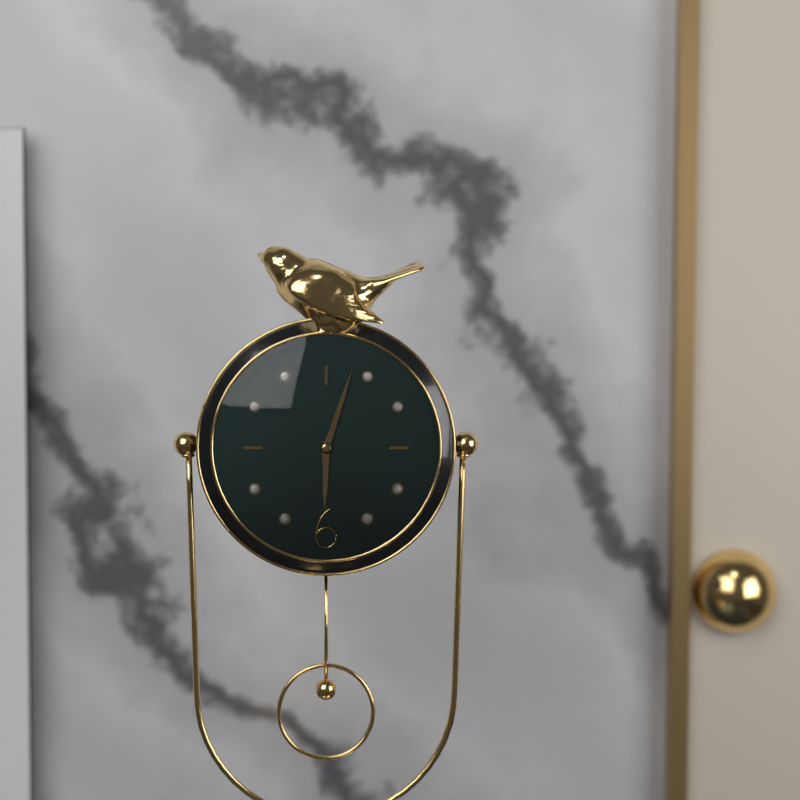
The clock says 6,03
